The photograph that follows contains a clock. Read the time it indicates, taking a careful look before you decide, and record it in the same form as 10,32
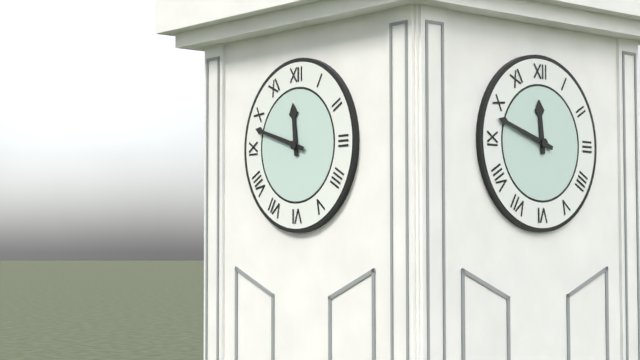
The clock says 11,48
